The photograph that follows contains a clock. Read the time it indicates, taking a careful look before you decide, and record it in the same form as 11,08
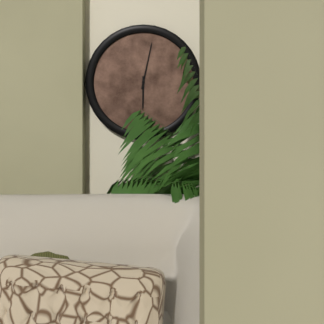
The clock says 6,02
